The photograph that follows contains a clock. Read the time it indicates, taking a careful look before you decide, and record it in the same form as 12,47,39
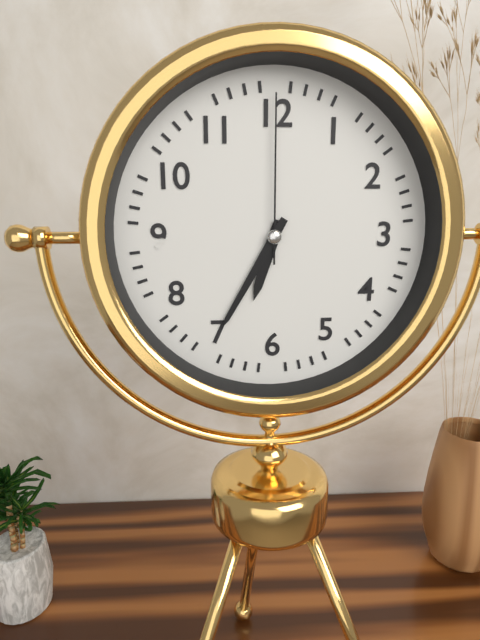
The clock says 6,35,00
